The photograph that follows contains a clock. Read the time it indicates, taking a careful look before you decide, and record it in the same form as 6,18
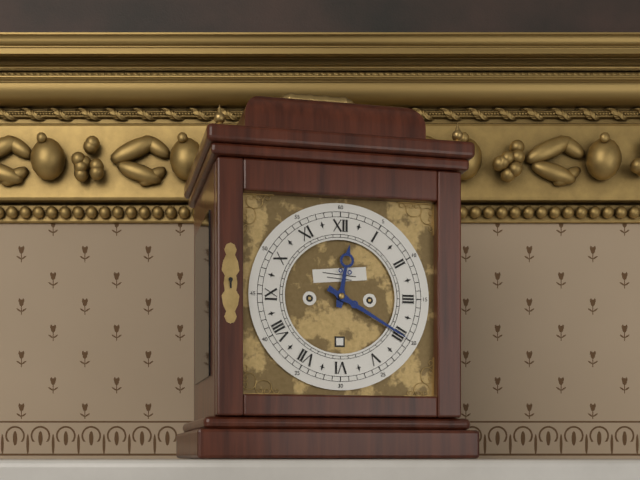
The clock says 12,20
